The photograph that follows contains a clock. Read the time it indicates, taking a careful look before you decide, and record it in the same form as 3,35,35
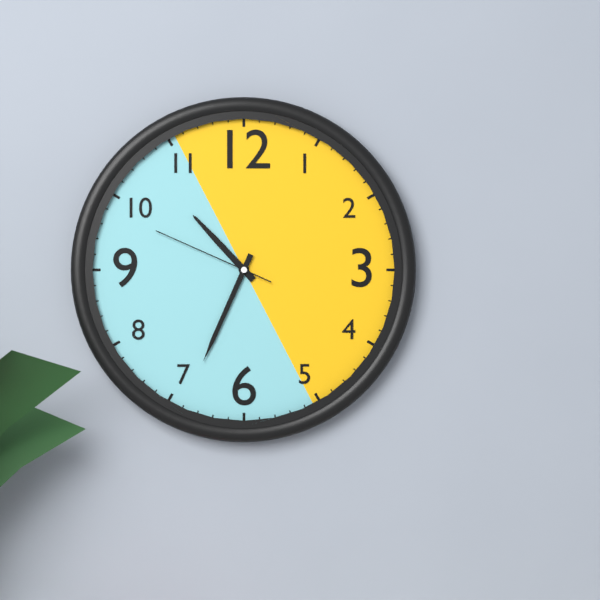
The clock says 10,34,49
